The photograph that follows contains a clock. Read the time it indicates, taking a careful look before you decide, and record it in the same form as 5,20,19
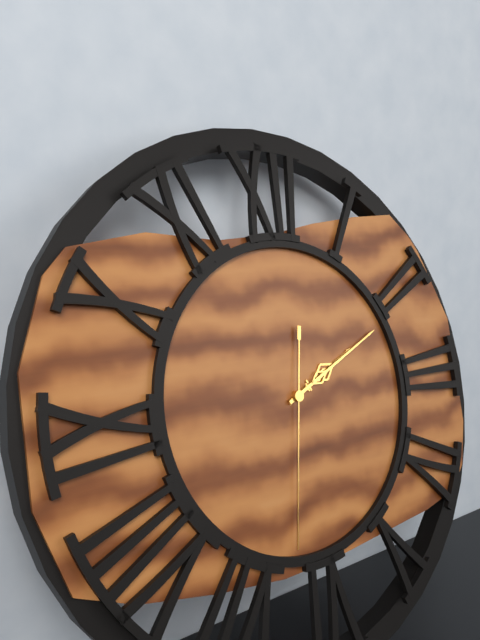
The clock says 2,11,32
